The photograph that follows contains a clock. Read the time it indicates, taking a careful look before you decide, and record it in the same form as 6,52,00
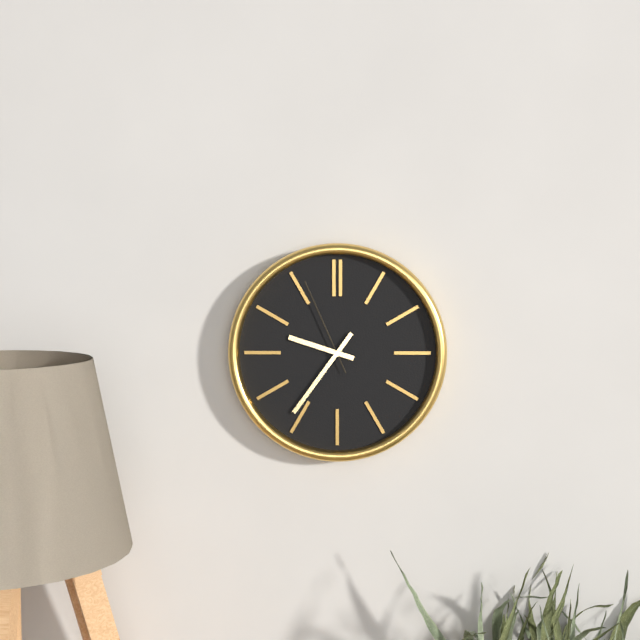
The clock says 9,36,56
